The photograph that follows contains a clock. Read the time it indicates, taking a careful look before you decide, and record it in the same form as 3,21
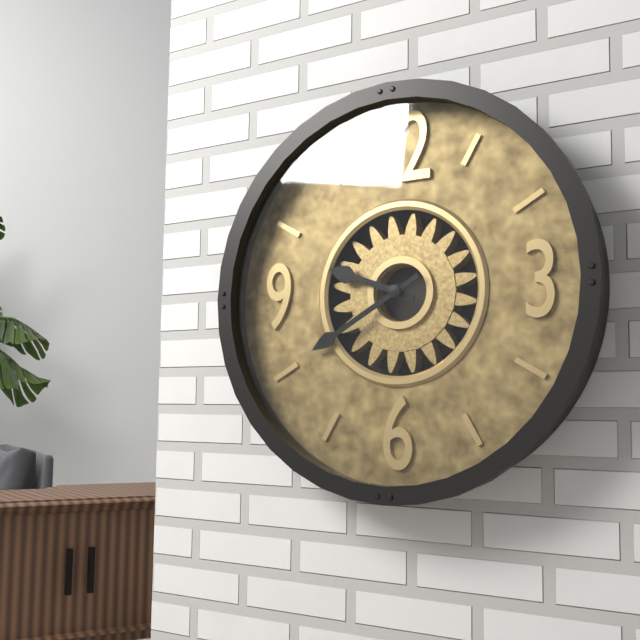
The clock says 9,40
